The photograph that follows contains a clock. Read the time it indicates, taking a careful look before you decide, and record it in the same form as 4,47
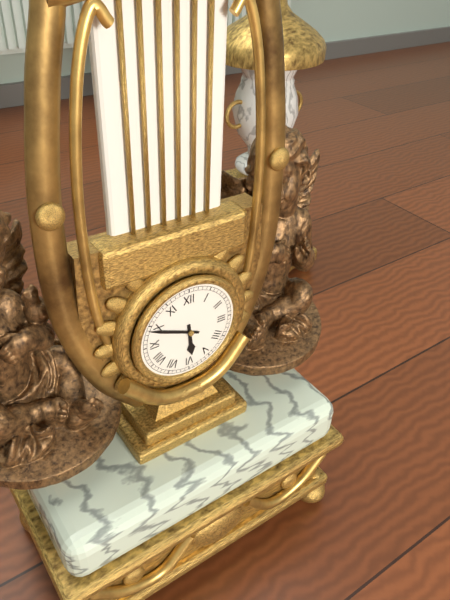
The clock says 5,49
